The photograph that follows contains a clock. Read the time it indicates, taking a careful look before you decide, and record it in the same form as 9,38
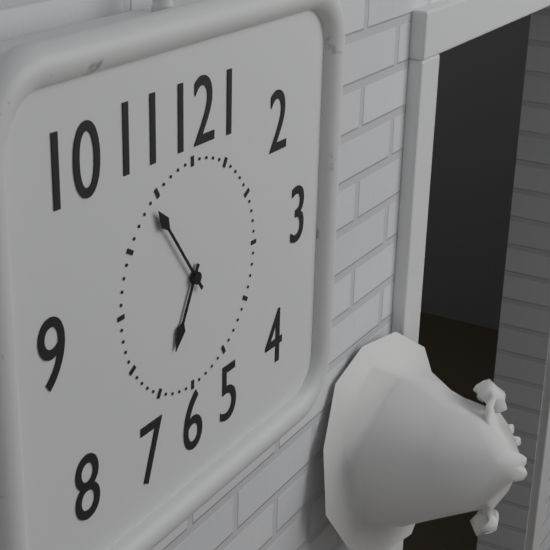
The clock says 6,54
